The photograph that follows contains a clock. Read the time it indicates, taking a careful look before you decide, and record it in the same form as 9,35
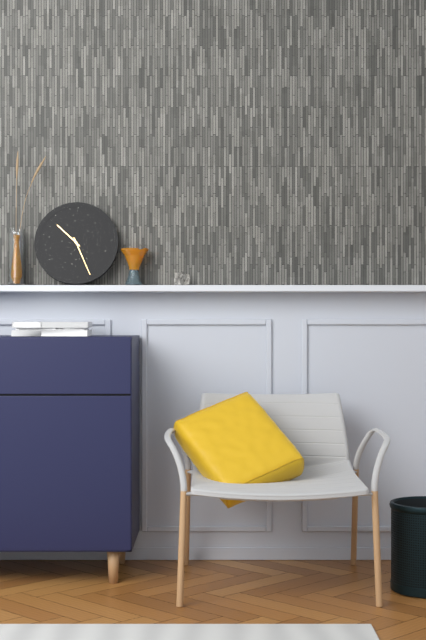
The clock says 10,26
